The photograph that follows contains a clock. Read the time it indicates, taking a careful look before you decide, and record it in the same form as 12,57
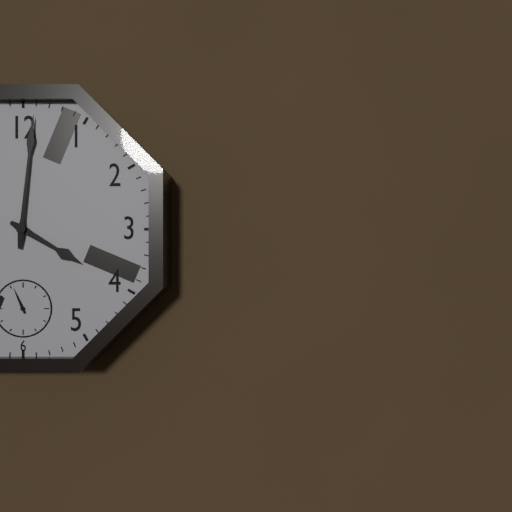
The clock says 4,01
